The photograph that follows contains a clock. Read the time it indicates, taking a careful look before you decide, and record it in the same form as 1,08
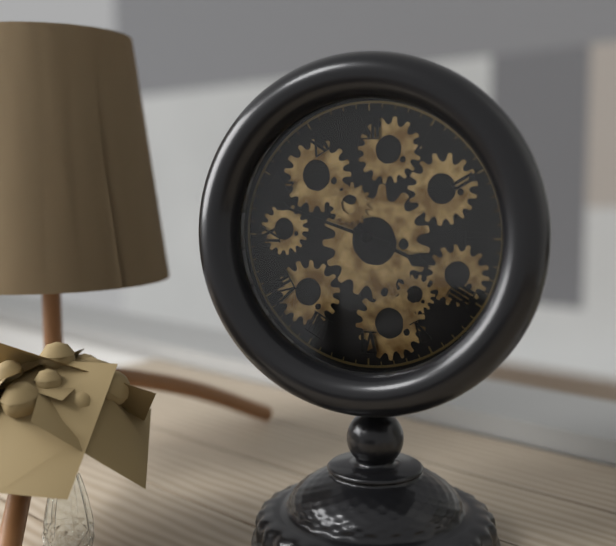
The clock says 3,48
